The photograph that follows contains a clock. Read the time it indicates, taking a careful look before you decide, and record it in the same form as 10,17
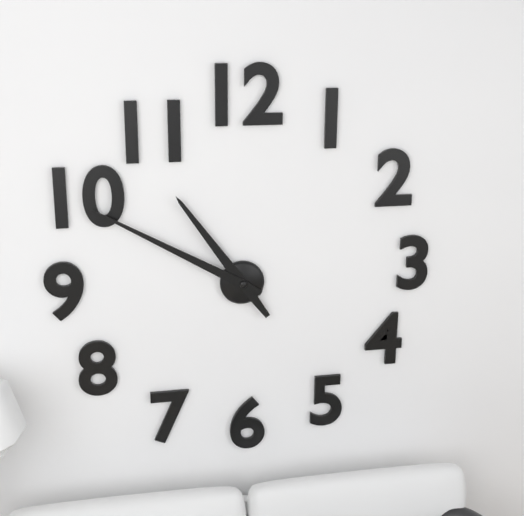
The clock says 10,50
